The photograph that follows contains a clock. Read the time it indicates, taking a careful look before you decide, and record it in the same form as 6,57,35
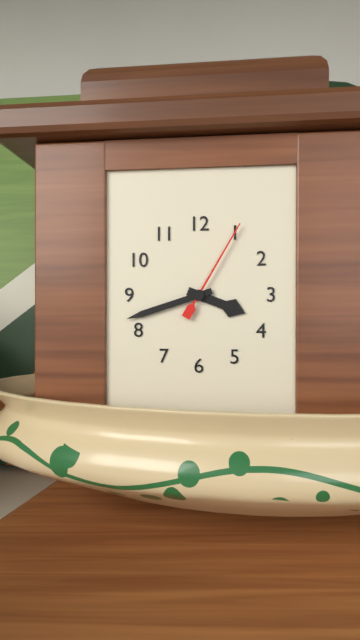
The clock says 3,42,05
